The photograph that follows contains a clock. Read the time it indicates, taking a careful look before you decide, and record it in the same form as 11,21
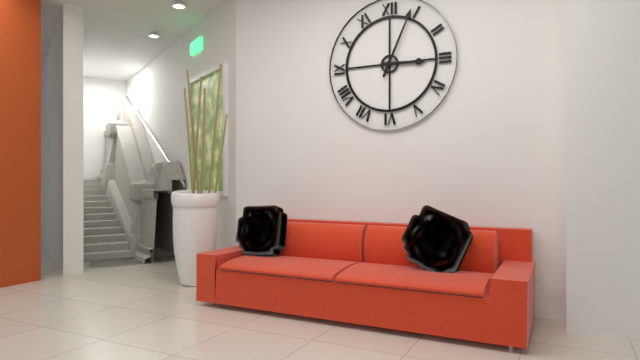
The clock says 3,04
